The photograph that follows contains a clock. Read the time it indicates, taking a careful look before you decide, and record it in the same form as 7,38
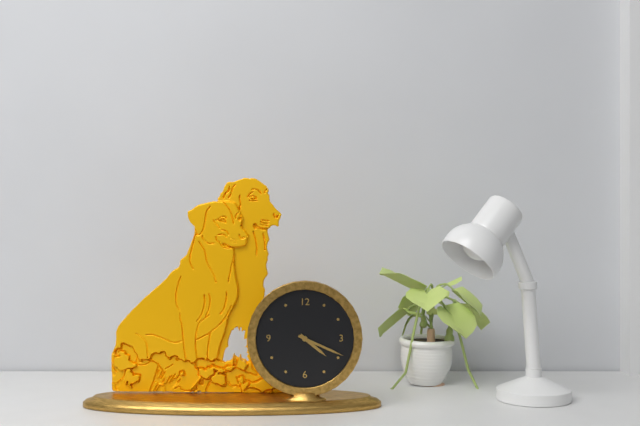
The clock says 4,19
